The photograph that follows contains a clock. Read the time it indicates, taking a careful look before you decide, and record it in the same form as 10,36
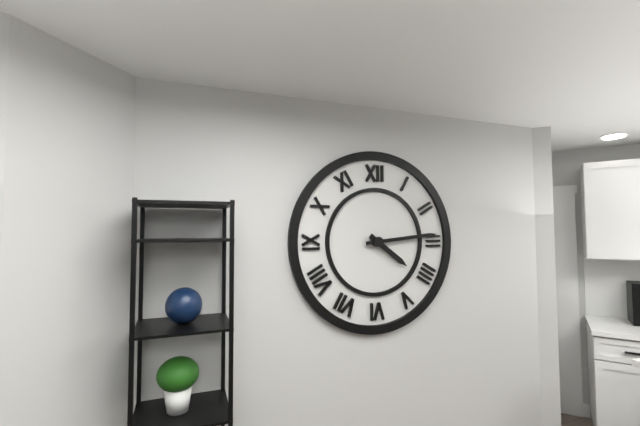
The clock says 4,14
